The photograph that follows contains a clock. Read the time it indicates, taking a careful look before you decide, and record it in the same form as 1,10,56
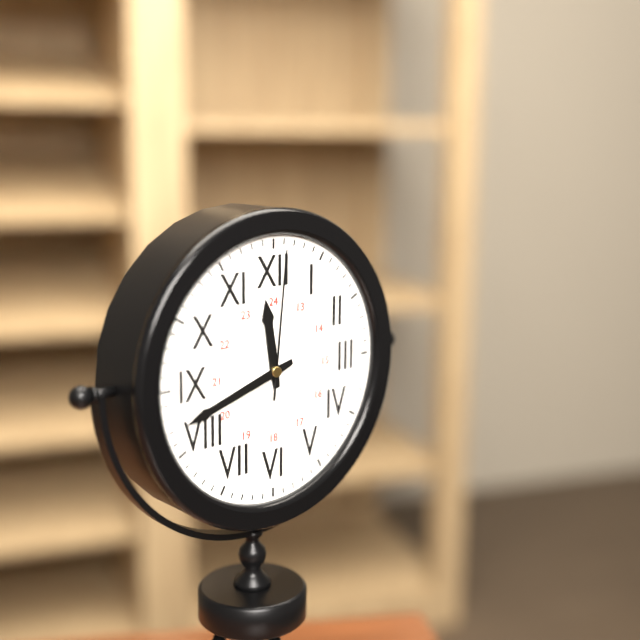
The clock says 11,42,01
